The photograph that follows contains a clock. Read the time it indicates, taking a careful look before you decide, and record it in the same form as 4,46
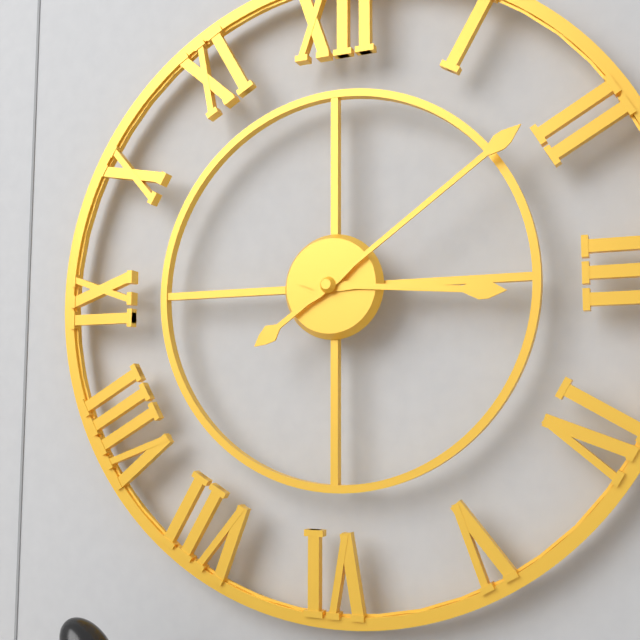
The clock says 3,09
